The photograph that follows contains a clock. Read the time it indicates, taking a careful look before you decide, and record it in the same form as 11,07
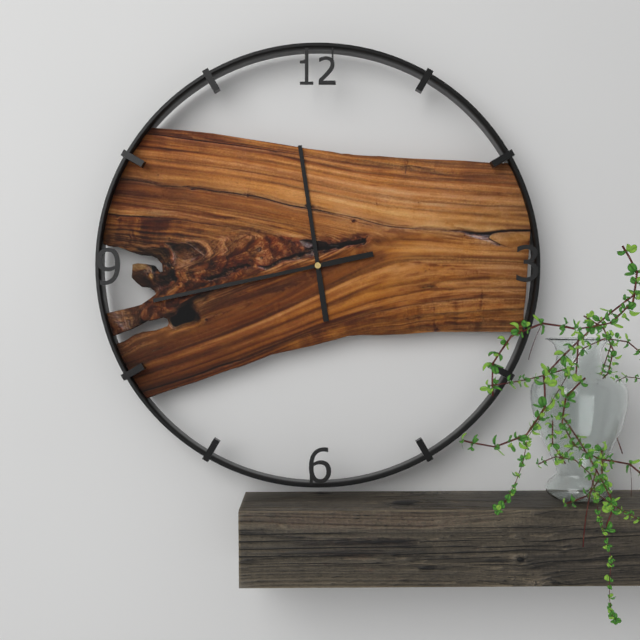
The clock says 11,43
